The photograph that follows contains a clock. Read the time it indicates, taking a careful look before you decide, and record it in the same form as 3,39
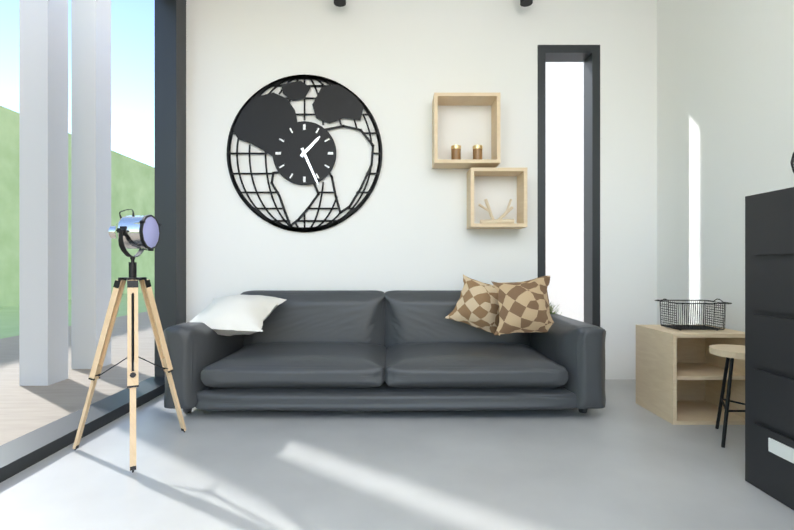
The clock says 1,26
